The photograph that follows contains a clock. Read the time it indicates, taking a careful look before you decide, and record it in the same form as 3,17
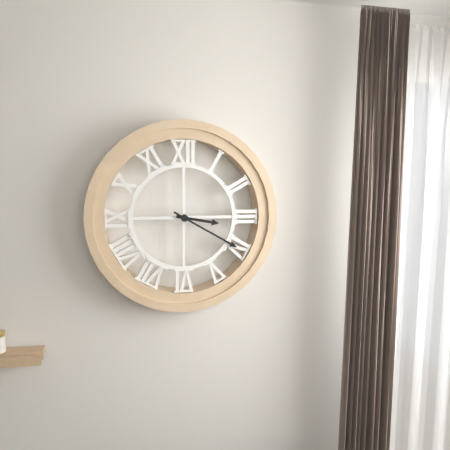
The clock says 3,20
